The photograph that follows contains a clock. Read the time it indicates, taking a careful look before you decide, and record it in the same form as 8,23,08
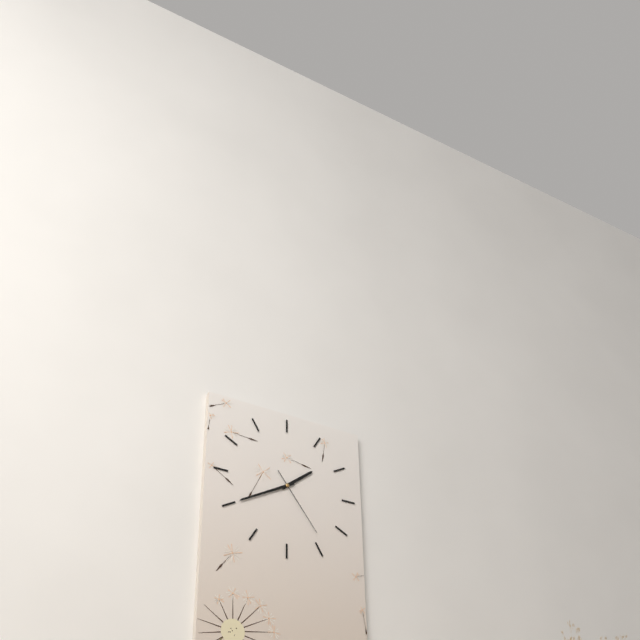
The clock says 1,40,24
